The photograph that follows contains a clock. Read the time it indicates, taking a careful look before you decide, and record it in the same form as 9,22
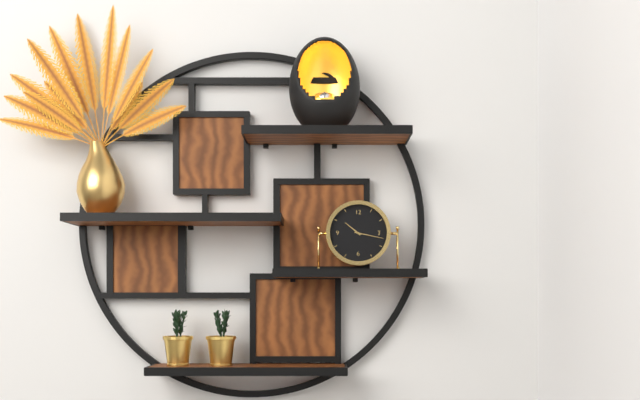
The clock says 10,17
